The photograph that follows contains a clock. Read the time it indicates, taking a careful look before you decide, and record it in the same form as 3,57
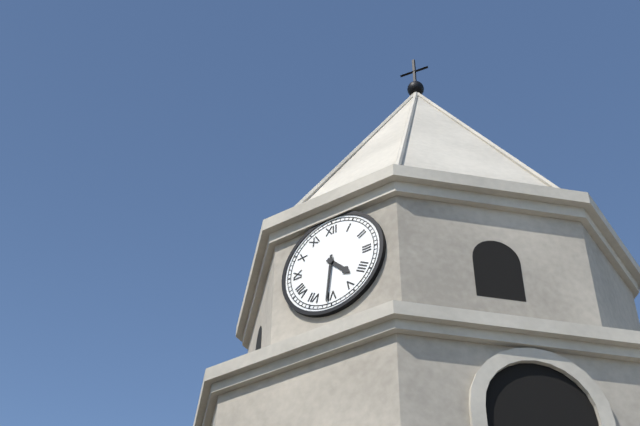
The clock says 4,31
